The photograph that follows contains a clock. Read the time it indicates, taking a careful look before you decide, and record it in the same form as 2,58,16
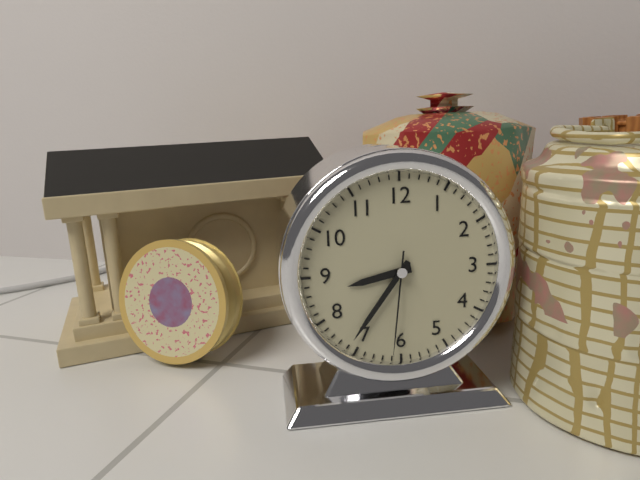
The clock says 8,36,31
